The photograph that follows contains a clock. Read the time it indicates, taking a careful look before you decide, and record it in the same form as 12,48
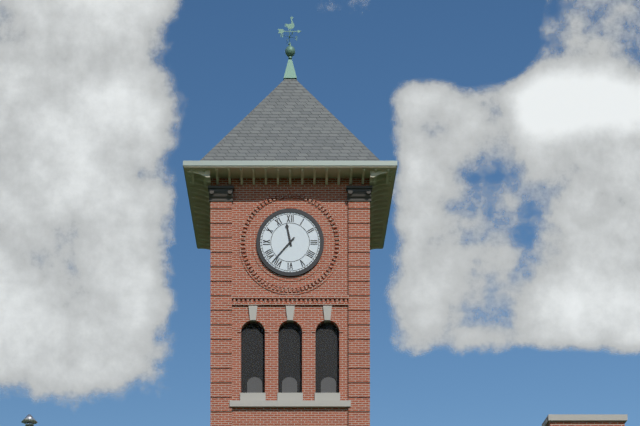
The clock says 11,37
